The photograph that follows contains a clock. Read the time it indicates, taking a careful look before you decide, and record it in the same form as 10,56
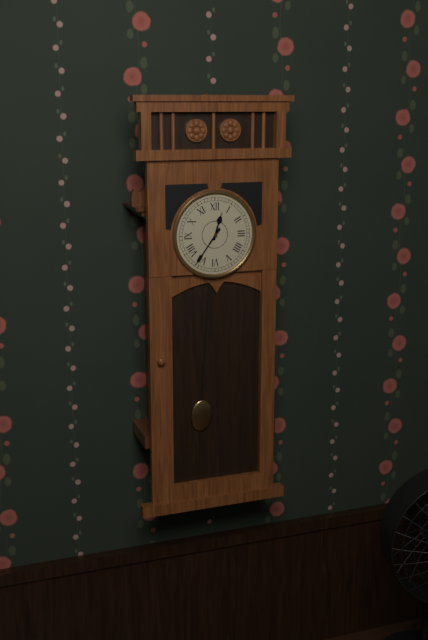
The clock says 12,36
